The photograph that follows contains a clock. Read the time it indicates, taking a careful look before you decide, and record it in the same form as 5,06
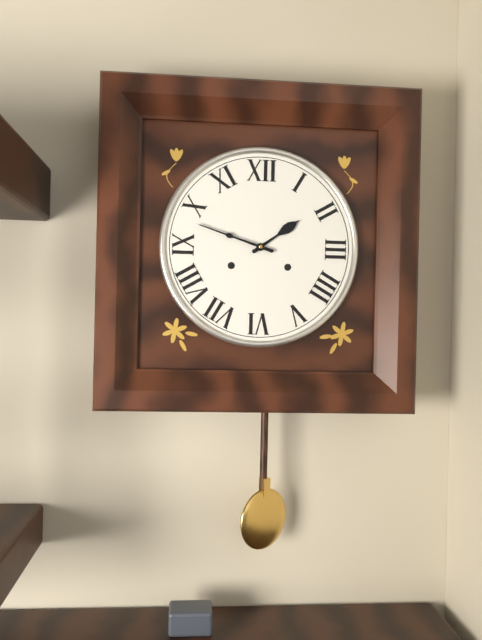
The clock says 1,48
